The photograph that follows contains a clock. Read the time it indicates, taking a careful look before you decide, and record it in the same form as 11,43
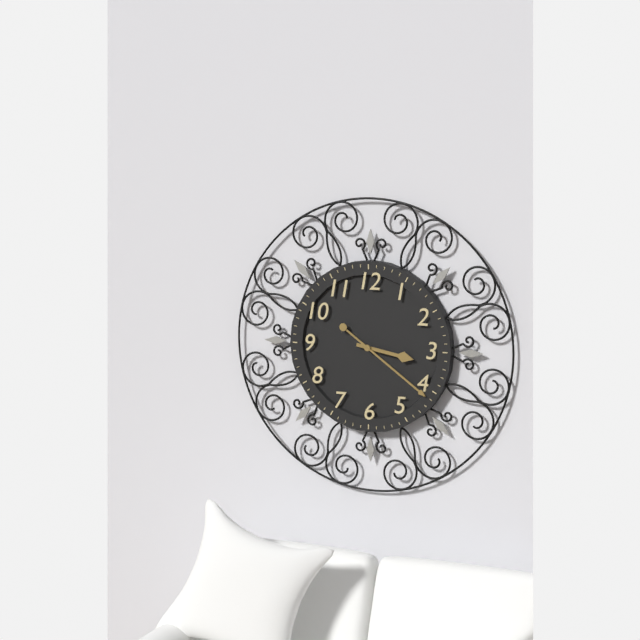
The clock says 3,21
